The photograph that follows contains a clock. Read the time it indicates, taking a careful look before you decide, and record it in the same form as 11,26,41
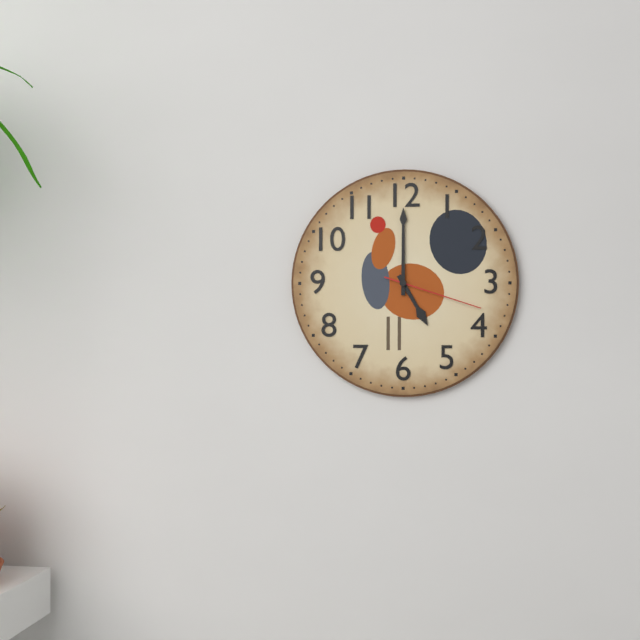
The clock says 5,00,18
